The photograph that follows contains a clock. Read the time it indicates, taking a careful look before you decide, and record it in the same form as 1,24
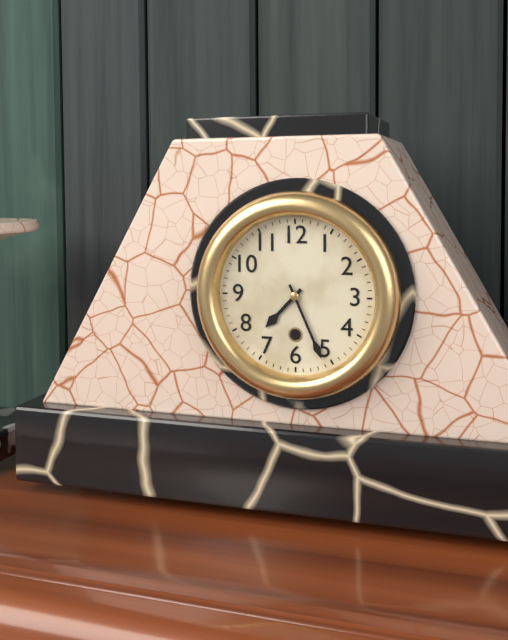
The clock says 7,26
